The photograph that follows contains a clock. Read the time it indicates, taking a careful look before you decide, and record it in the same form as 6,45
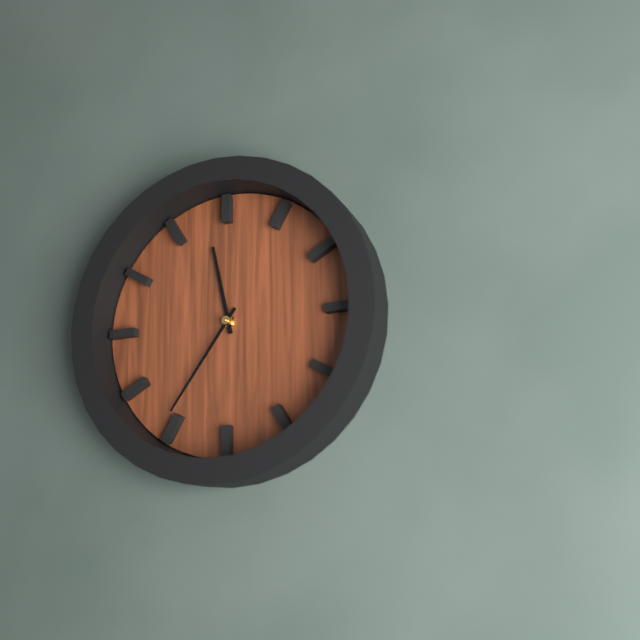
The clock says 11,36
